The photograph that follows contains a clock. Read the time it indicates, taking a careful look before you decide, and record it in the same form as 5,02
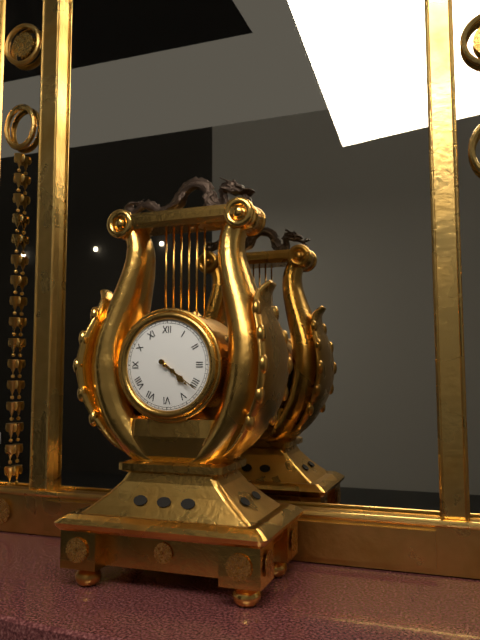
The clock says 4,21
